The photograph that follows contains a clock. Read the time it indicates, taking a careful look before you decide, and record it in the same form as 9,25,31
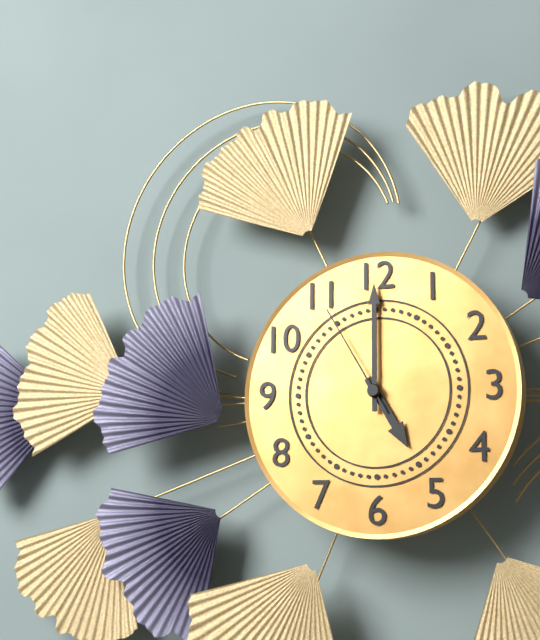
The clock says 5,00,55
